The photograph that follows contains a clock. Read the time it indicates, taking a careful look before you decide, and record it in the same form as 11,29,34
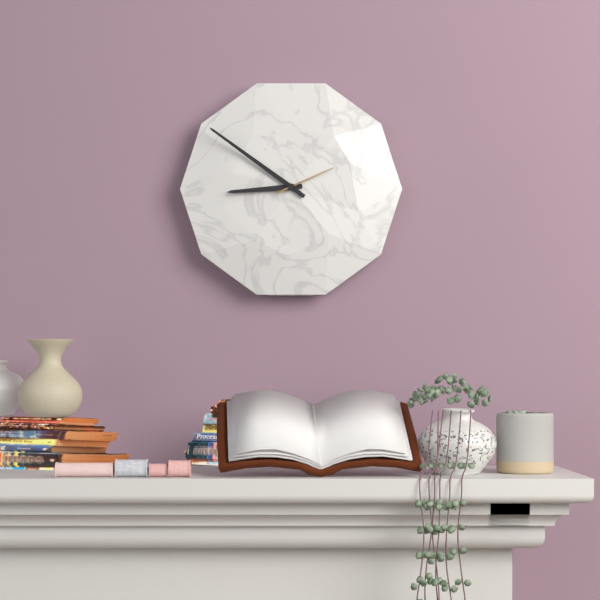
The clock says 8,51,11
